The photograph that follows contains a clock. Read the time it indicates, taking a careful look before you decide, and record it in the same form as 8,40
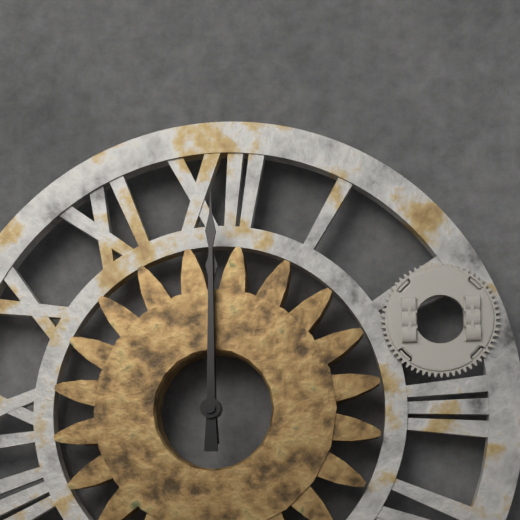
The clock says 12,00
